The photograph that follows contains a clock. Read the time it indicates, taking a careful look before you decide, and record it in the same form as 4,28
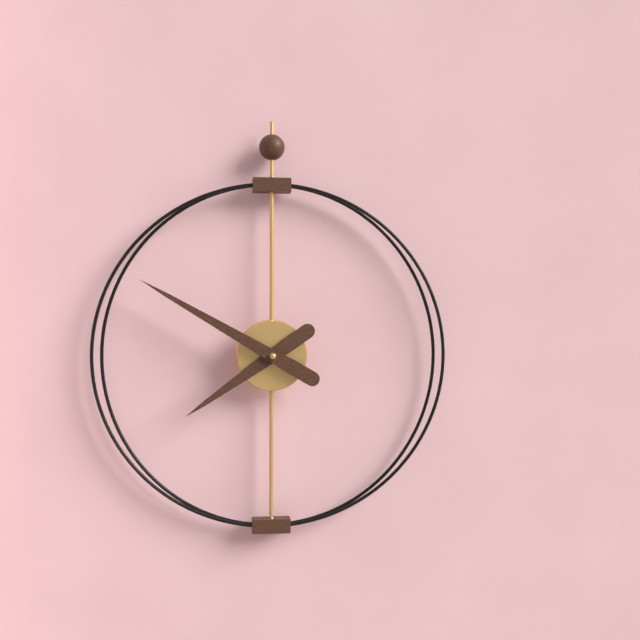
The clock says 7,50
